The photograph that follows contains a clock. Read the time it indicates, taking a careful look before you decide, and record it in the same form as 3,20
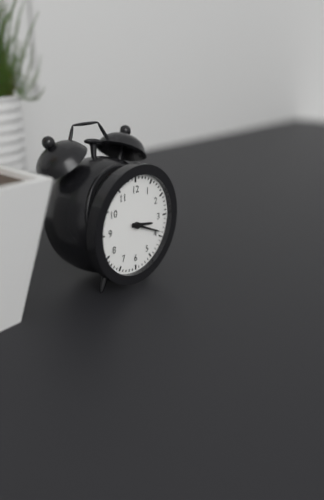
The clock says 3,19
